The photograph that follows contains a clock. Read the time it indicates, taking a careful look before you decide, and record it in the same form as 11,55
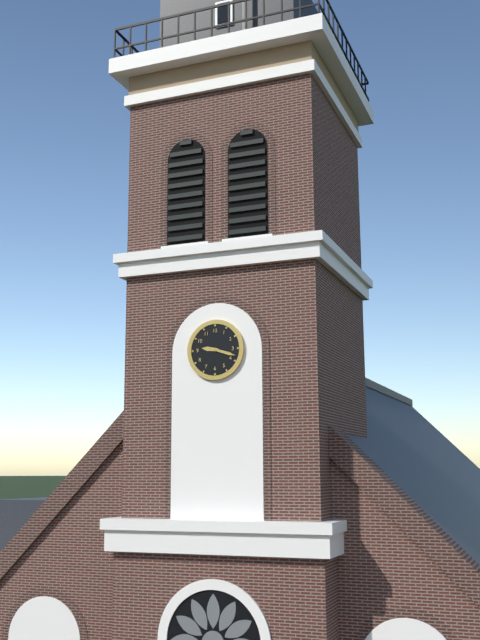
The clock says 9,18
